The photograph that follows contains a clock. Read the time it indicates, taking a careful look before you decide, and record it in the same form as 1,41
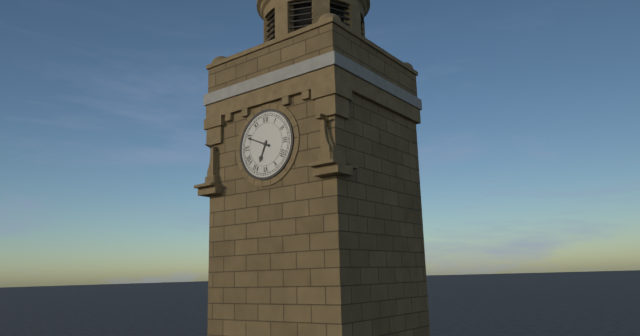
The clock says 6,49
